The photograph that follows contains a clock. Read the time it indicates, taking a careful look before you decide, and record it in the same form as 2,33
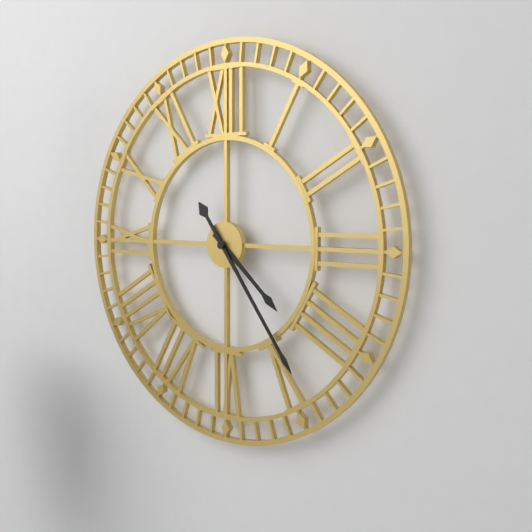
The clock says 4,24
